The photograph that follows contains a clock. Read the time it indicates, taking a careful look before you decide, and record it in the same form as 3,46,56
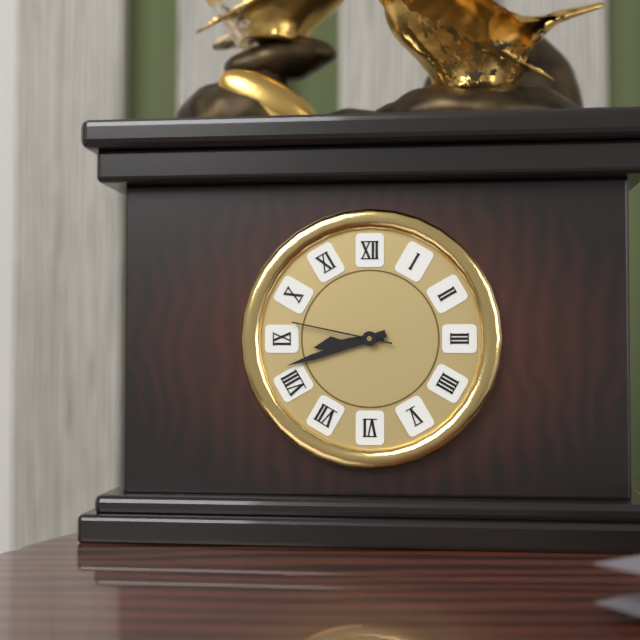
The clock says 8,42,47
